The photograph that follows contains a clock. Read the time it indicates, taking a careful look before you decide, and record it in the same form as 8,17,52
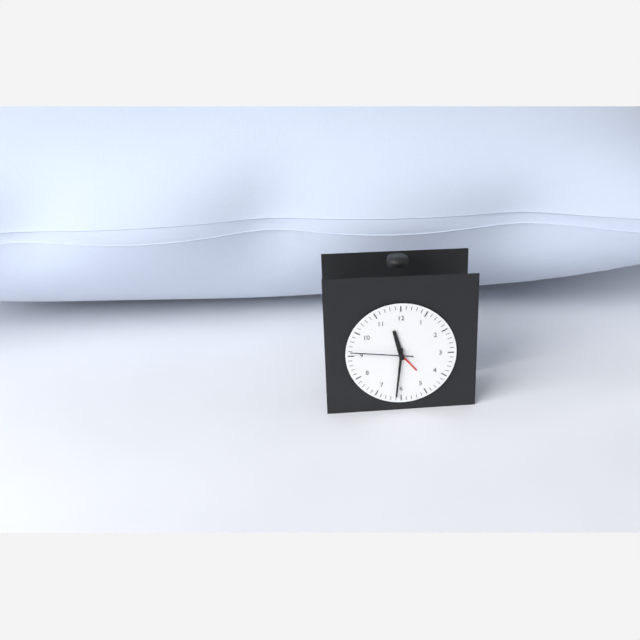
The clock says 11,31,46
